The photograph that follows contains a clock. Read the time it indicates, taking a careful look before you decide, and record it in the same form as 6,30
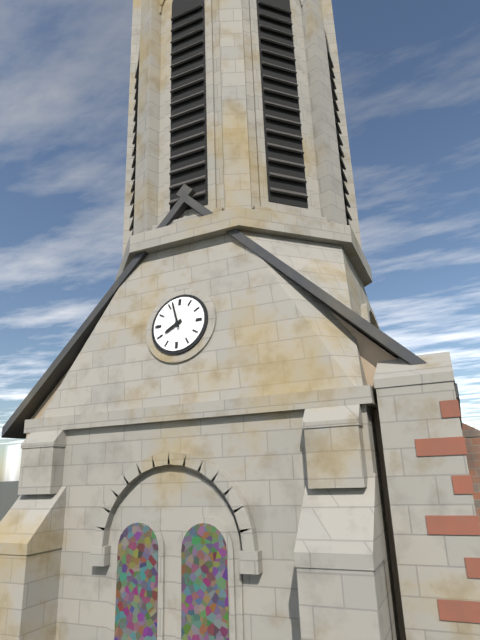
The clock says 7,57
